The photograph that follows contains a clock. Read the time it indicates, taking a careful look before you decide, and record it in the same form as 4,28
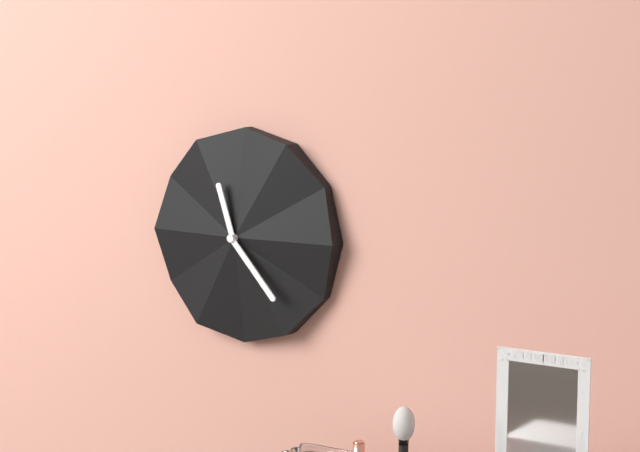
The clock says 11,23
